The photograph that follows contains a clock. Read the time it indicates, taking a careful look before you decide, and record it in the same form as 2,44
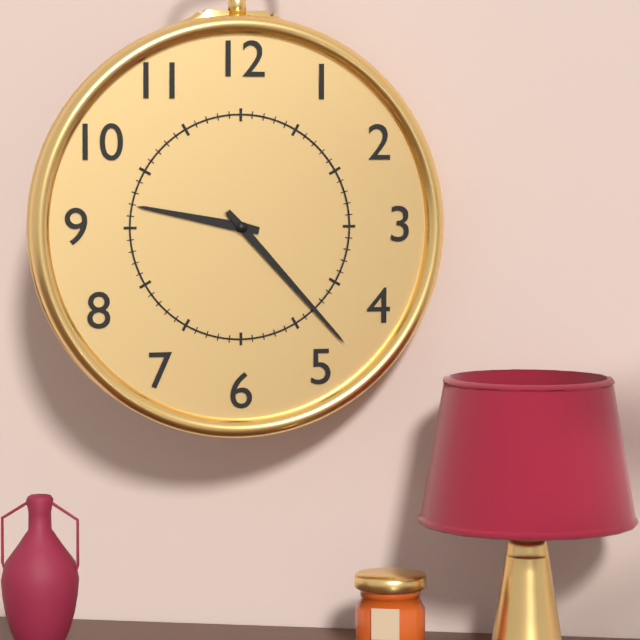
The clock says 9,23
